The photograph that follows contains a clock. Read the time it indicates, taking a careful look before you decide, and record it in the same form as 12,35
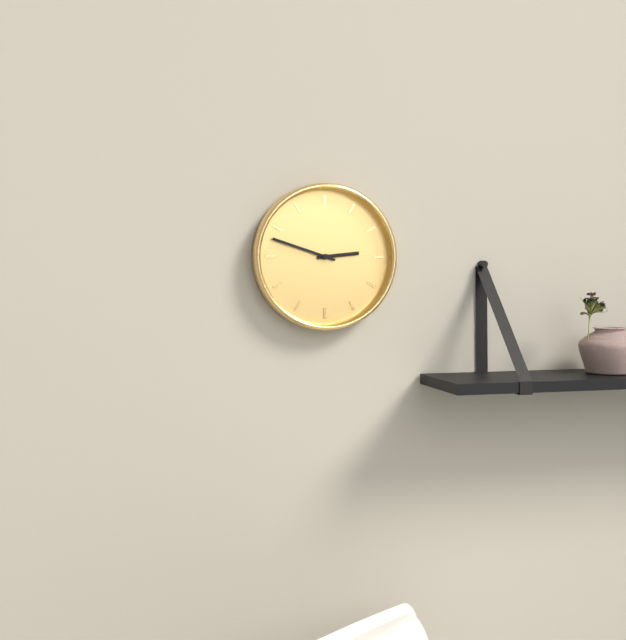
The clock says 2,48
